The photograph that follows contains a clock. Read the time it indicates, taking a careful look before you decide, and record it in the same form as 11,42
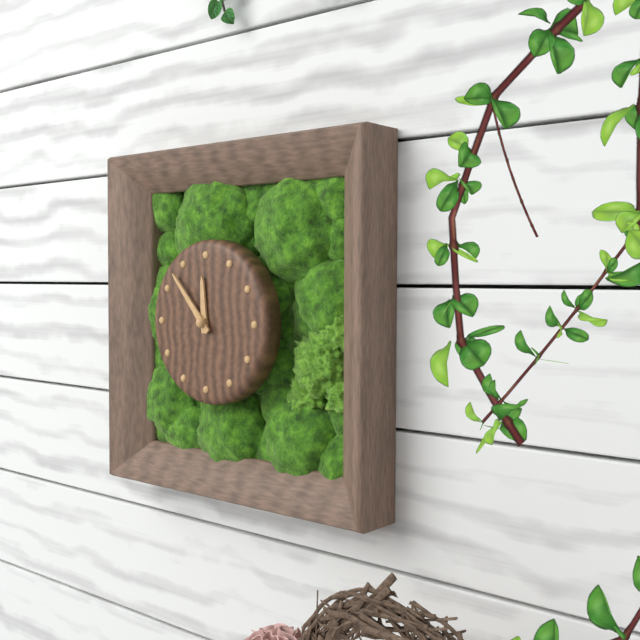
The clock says 11,53
